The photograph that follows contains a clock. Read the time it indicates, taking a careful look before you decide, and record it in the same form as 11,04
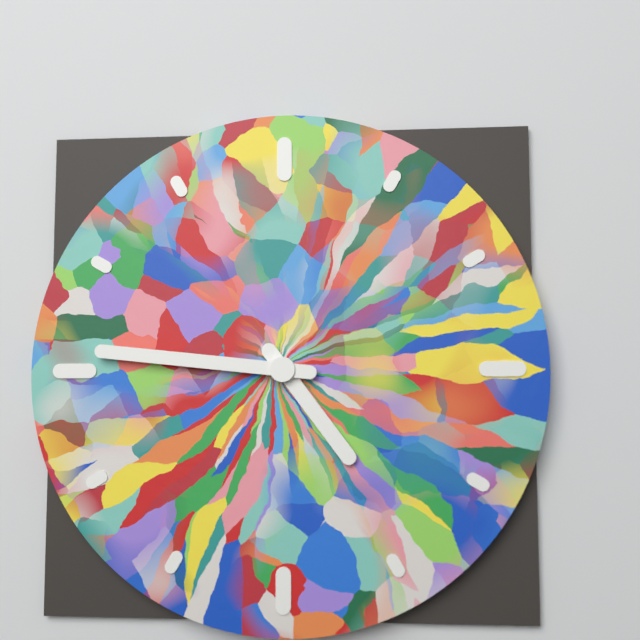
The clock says 4,46
